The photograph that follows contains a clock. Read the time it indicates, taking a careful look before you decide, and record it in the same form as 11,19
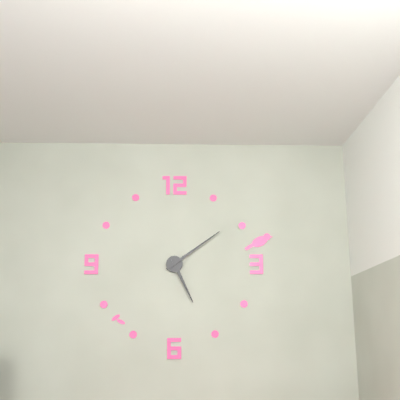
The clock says 5,09
